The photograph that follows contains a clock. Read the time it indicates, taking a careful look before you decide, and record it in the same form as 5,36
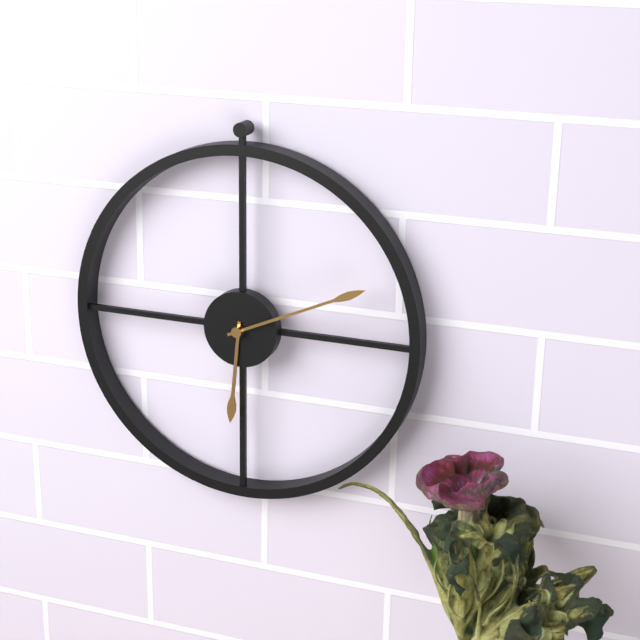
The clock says 6,11
